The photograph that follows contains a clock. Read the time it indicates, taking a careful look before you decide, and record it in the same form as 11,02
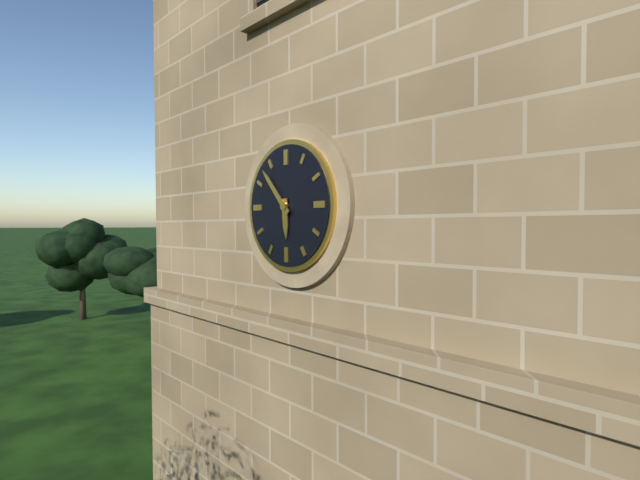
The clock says 5,53
